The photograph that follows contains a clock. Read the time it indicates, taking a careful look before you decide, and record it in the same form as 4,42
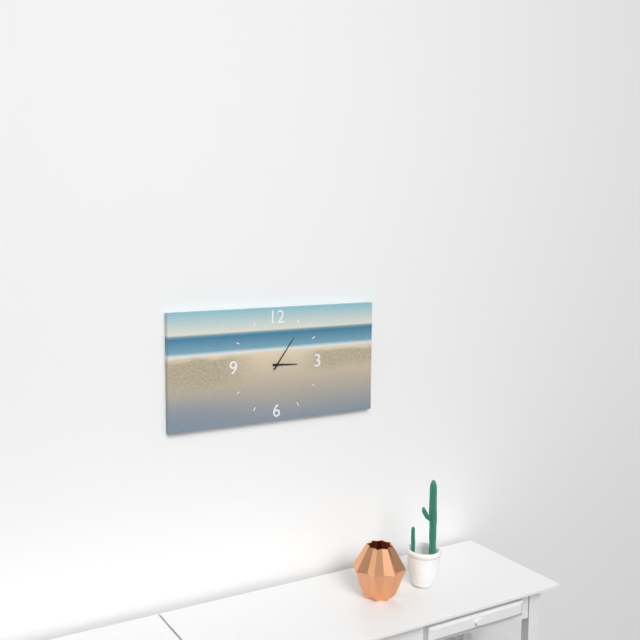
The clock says 3,06
